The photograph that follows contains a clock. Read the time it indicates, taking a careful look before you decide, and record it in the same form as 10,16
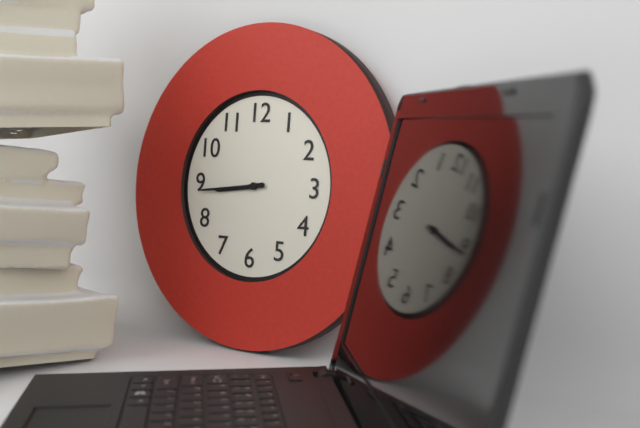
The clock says 8,44
